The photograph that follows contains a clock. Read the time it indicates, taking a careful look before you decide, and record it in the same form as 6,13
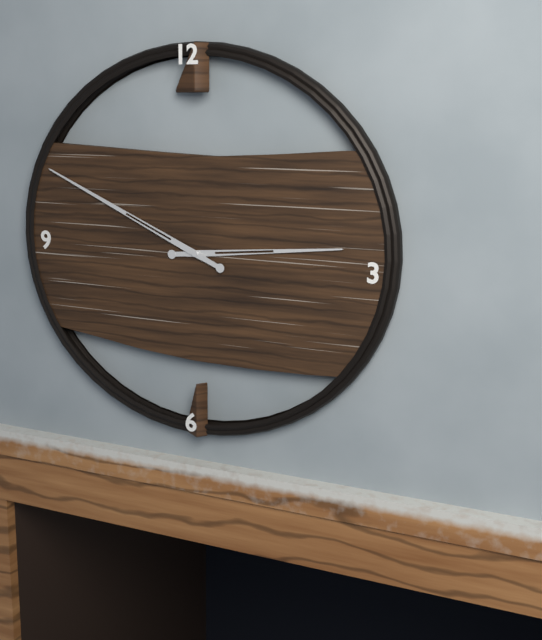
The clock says 2,49
